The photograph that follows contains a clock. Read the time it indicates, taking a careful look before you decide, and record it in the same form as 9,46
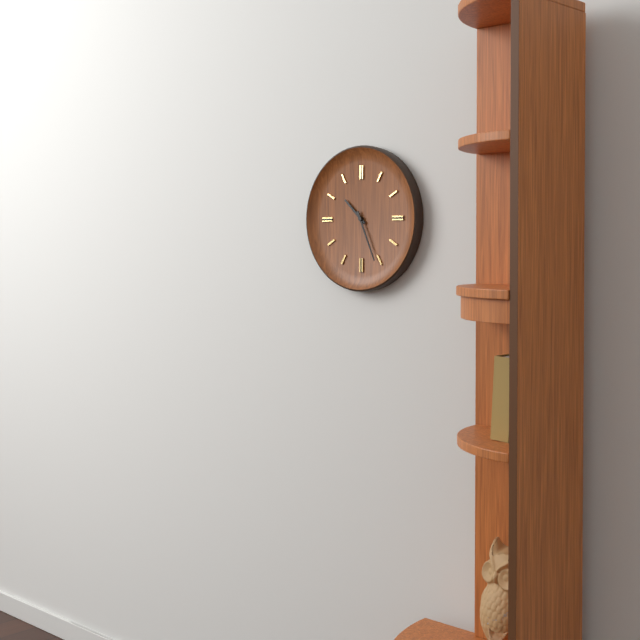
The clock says 10,26
